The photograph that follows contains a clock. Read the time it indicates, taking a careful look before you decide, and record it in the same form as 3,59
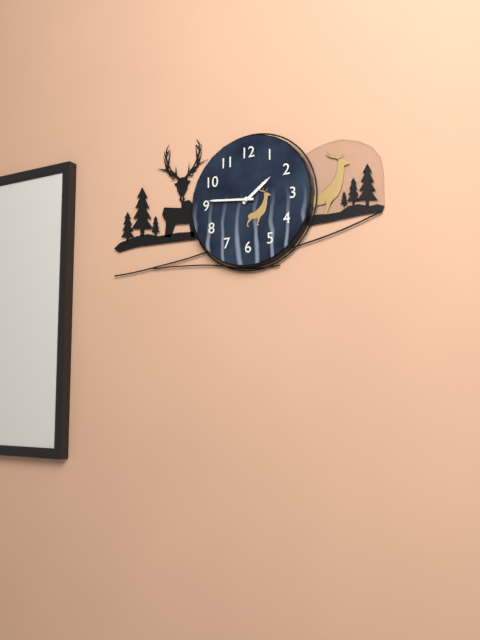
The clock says 1,46
